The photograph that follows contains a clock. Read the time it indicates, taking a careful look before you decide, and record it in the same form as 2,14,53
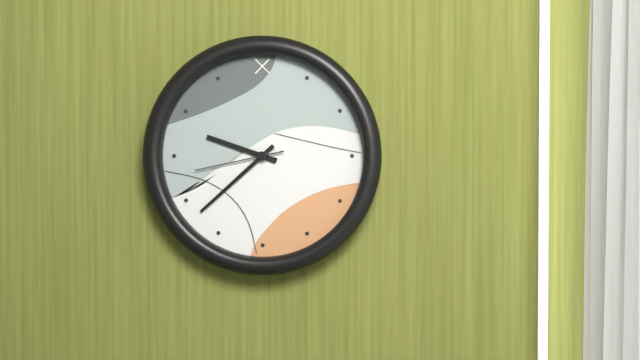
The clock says 9,38,43
